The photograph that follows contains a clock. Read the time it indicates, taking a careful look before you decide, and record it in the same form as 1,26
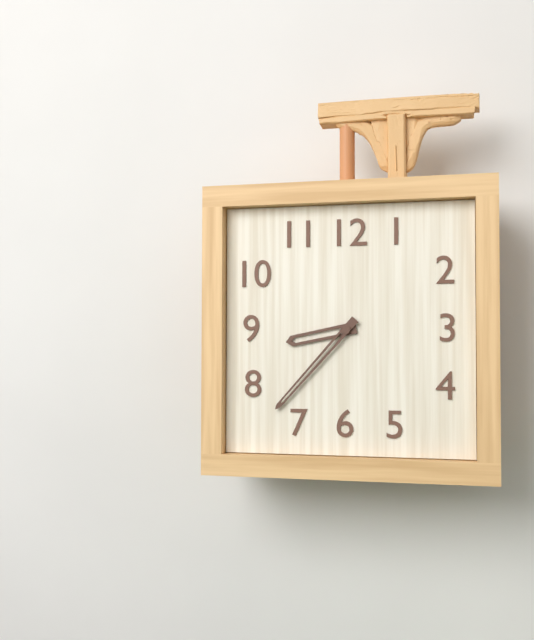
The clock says 8,37
